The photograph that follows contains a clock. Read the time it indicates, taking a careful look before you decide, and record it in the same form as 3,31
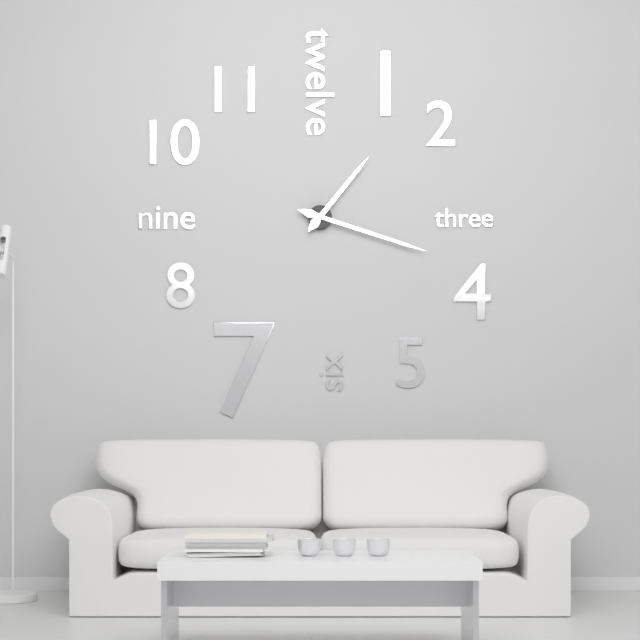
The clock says 1,18
